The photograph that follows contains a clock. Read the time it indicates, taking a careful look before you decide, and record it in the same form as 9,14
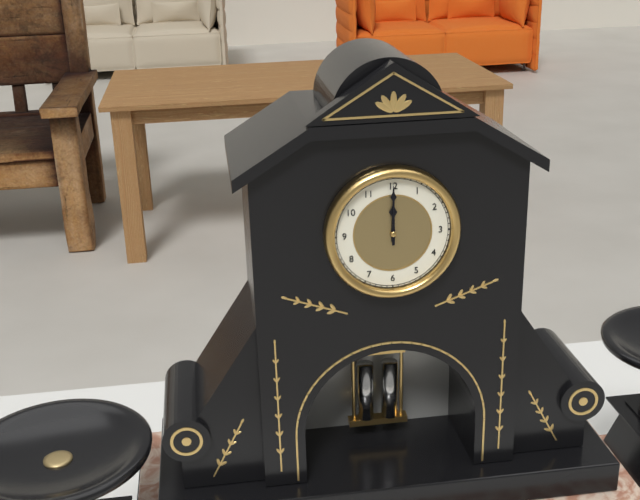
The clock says 12,00
